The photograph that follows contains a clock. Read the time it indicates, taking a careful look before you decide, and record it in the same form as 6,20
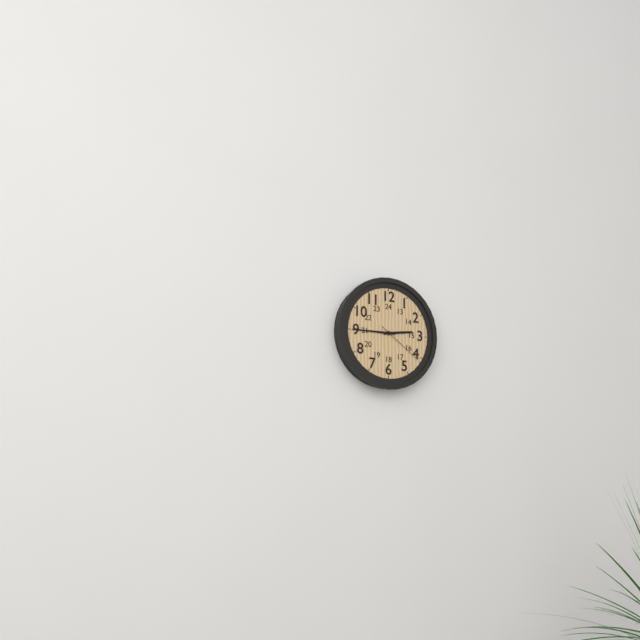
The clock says 2,45
